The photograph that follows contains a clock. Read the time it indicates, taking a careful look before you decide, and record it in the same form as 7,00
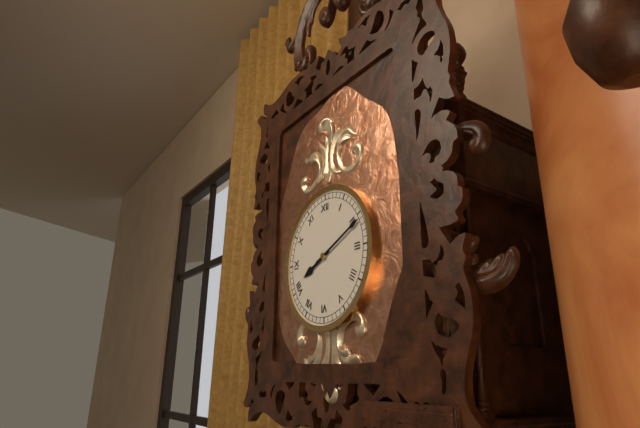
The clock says 8,11
